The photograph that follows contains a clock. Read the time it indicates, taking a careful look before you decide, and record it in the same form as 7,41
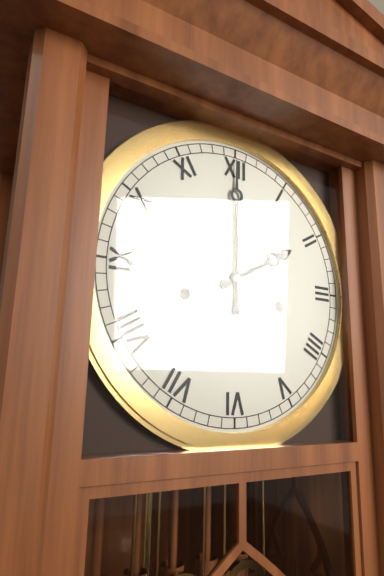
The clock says 2,00
